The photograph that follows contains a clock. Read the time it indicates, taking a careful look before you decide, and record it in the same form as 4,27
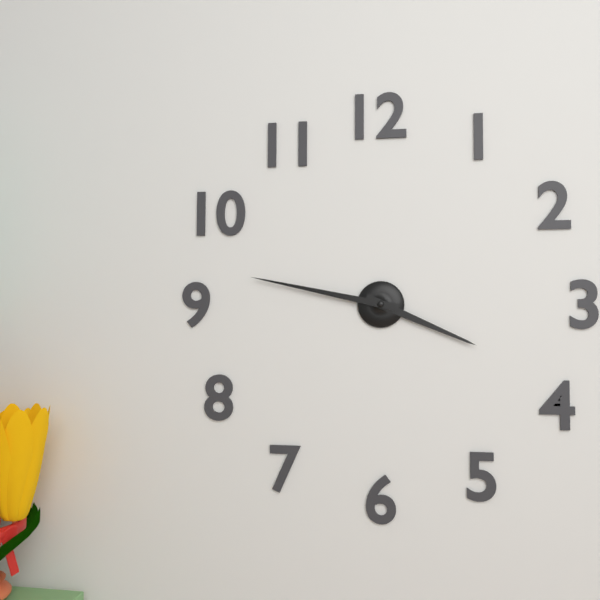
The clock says 3,47
